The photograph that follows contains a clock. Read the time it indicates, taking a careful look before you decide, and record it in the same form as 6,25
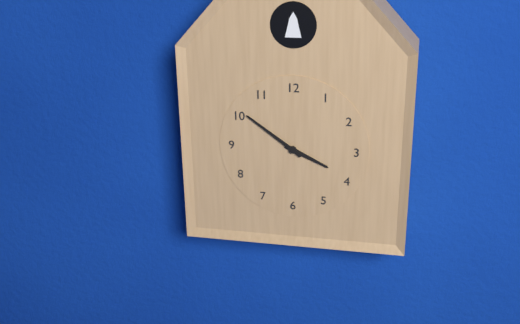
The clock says 3,51
